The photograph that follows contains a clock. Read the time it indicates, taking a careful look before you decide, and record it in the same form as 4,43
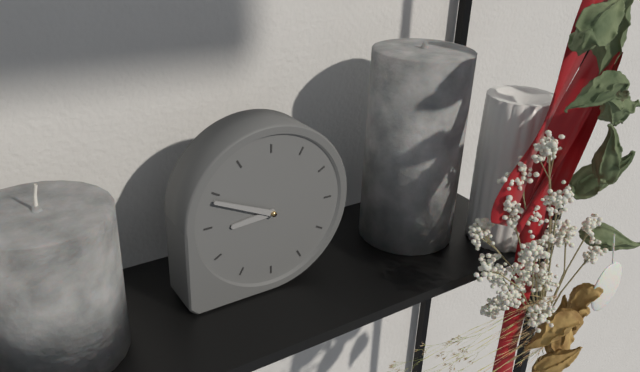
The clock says 8,49
